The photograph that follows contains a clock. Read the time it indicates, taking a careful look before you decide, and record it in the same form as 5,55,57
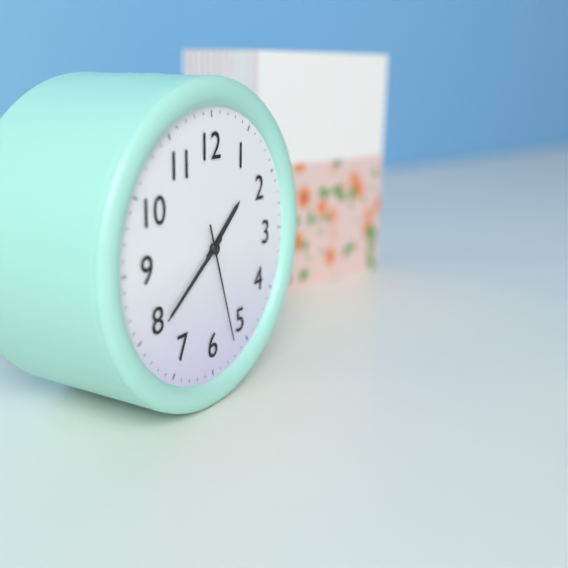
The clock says 1,39,27
